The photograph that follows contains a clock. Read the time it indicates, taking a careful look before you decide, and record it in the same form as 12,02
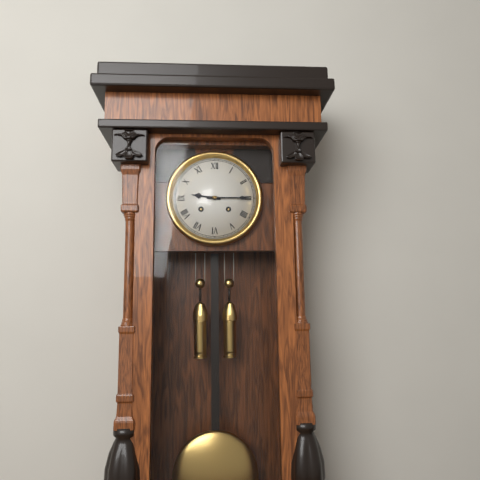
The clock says 9,15
